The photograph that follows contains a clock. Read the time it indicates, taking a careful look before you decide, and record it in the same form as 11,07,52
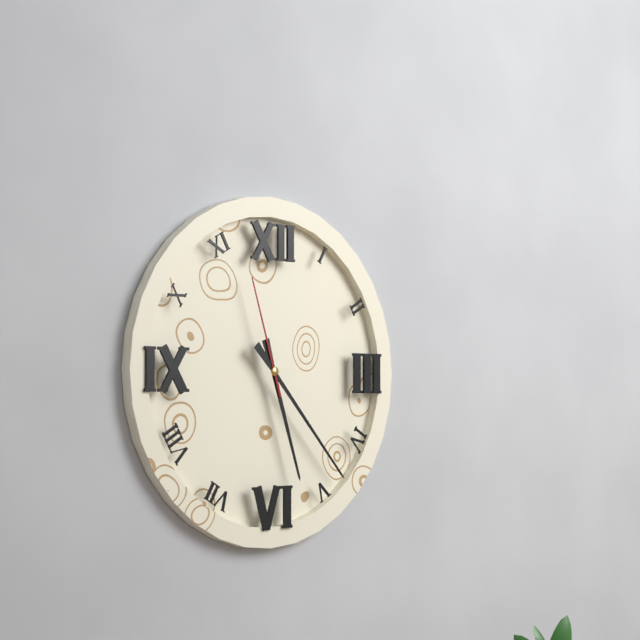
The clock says 5,23,57
